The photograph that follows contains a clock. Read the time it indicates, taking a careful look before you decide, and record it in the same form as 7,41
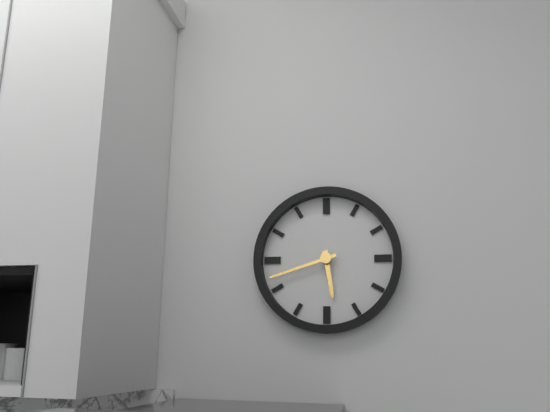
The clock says 5,42
